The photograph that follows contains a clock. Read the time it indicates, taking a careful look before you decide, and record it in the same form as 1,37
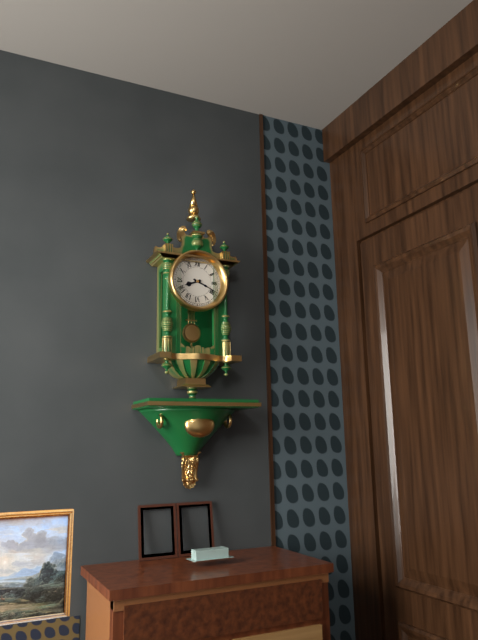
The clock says 8,19
